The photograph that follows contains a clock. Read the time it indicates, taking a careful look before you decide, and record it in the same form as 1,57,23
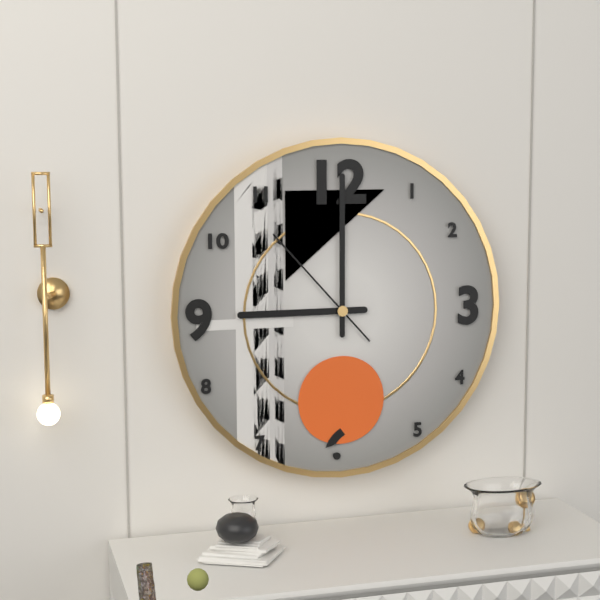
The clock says 9,00,53
